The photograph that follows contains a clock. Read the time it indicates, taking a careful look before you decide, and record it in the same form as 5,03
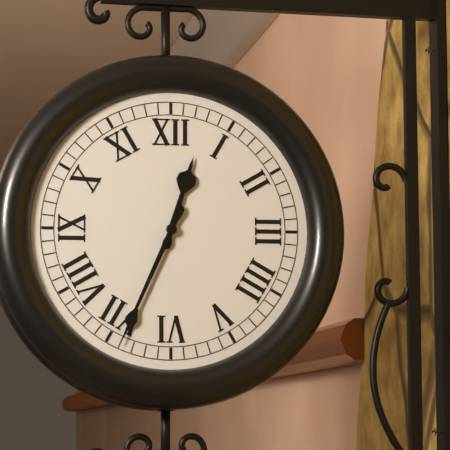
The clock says 12,34
